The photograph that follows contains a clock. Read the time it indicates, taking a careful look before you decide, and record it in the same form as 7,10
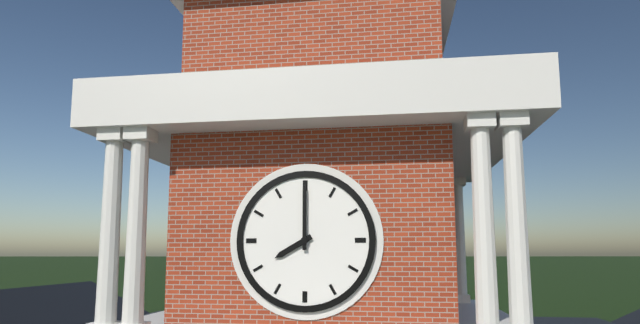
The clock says 8,00
